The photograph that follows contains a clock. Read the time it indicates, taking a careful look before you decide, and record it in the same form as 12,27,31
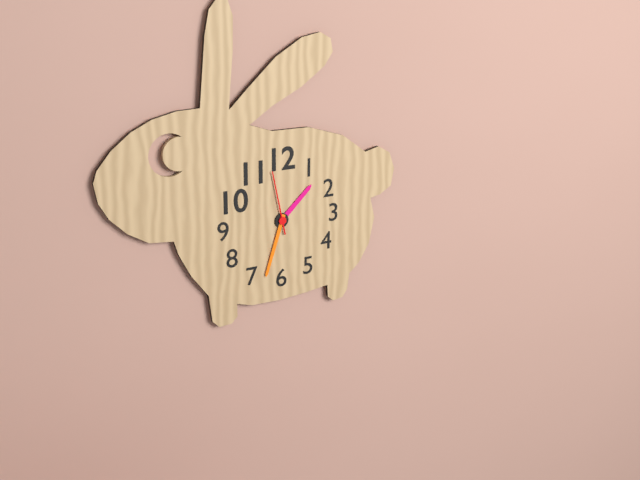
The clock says 1,33,58
